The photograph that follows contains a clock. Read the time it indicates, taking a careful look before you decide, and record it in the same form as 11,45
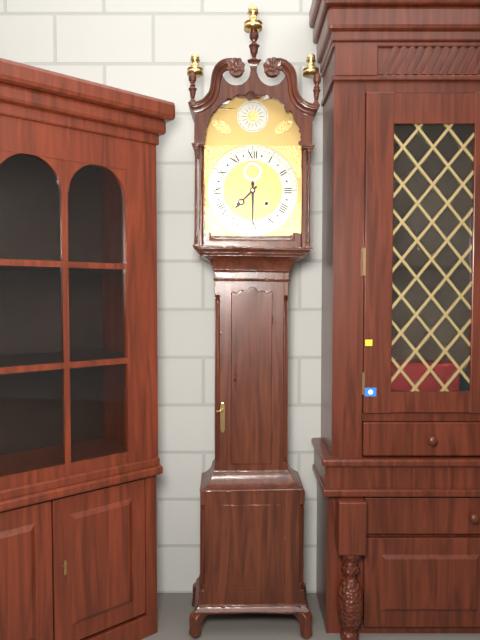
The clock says 7,30
